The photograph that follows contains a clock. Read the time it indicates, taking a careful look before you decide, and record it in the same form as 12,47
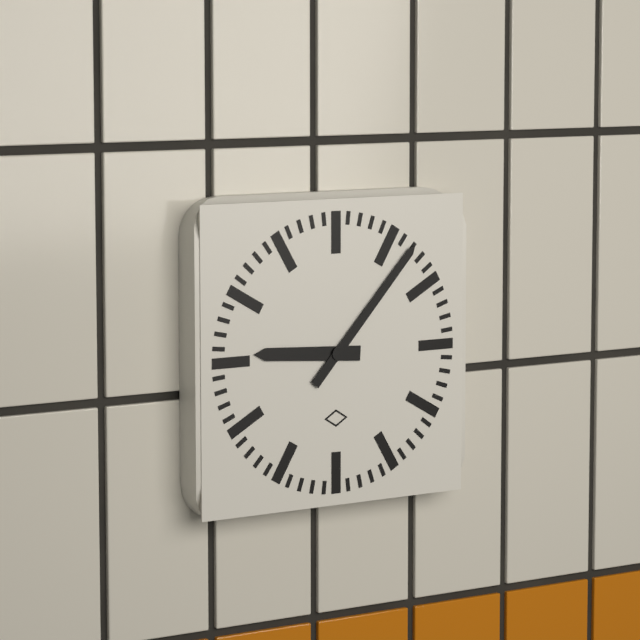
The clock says 9,07
